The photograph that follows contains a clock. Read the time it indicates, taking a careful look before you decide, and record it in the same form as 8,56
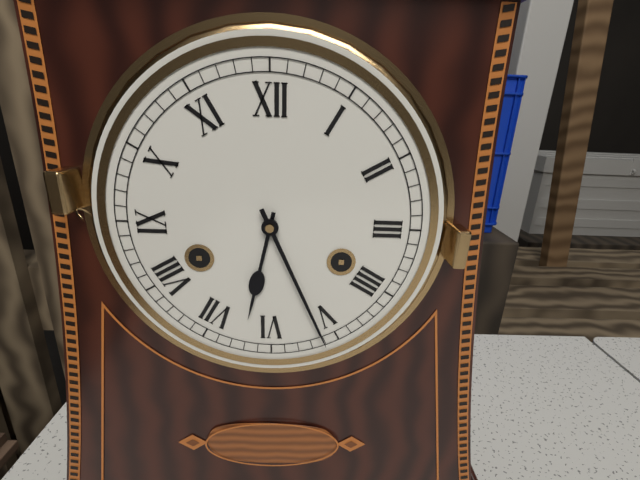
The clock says 6,26
